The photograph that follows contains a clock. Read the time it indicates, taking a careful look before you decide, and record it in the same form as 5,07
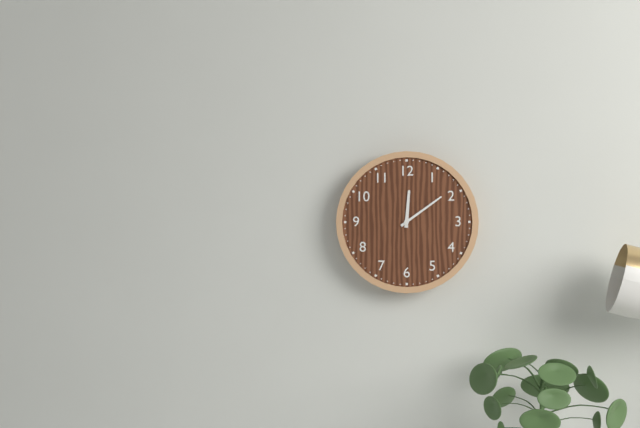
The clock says 12,09
